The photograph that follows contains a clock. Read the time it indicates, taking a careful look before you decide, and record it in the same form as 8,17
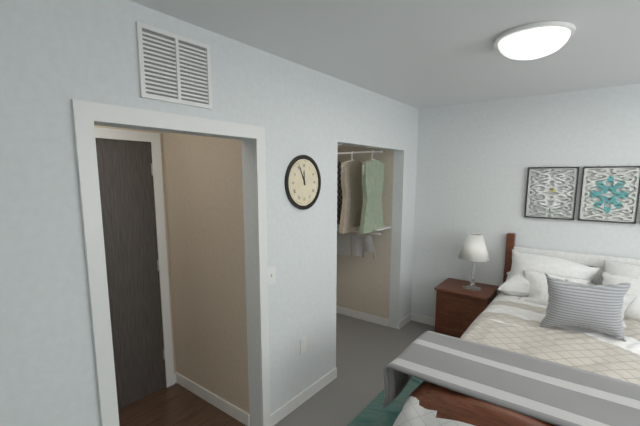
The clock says 11,56
